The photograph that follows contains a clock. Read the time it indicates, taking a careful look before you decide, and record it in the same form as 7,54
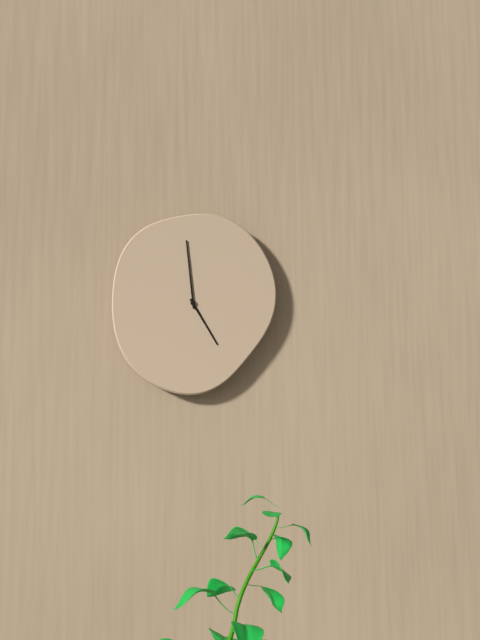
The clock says 4,59
